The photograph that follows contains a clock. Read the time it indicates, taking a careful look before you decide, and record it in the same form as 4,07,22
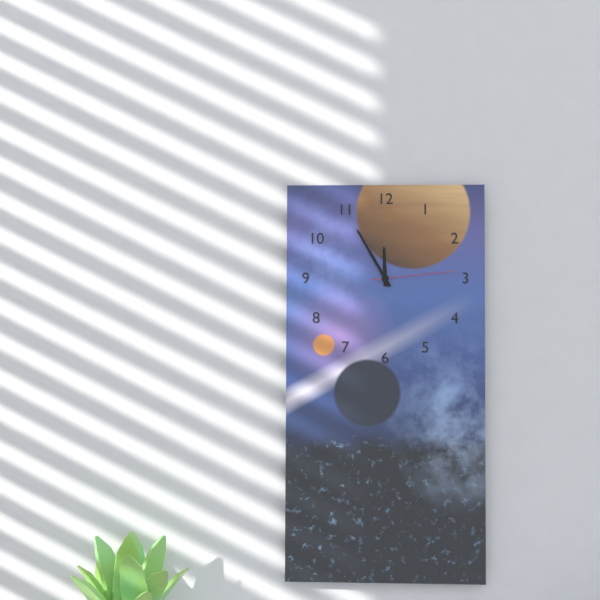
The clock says 11,55,14
